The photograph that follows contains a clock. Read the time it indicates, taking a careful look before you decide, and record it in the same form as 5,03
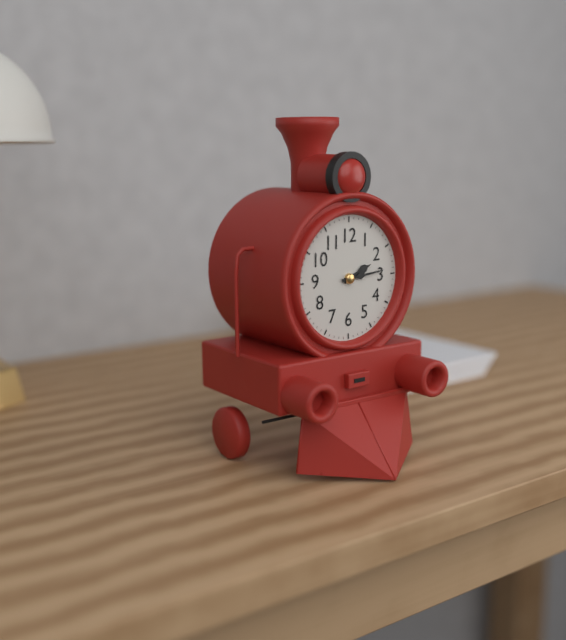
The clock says 2,14
